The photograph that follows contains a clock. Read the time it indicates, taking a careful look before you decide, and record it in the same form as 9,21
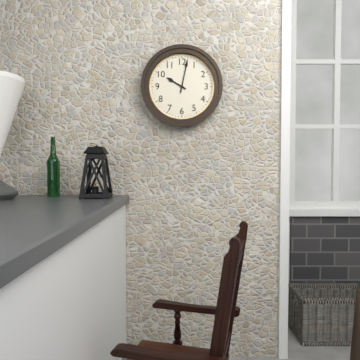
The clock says 10,02
